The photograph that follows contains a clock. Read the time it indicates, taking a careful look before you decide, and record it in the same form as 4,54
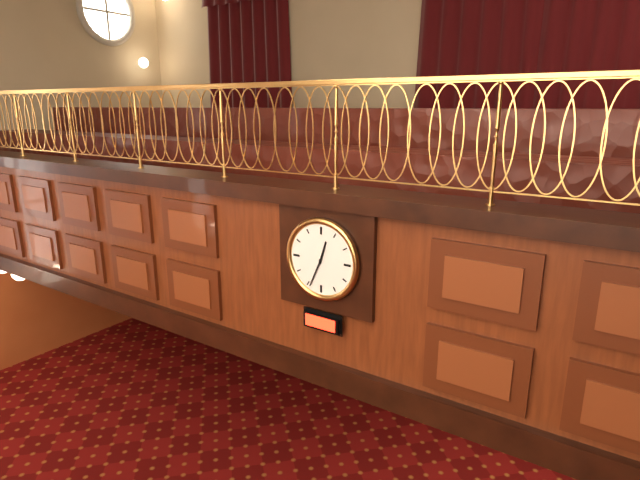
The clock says 12,34
